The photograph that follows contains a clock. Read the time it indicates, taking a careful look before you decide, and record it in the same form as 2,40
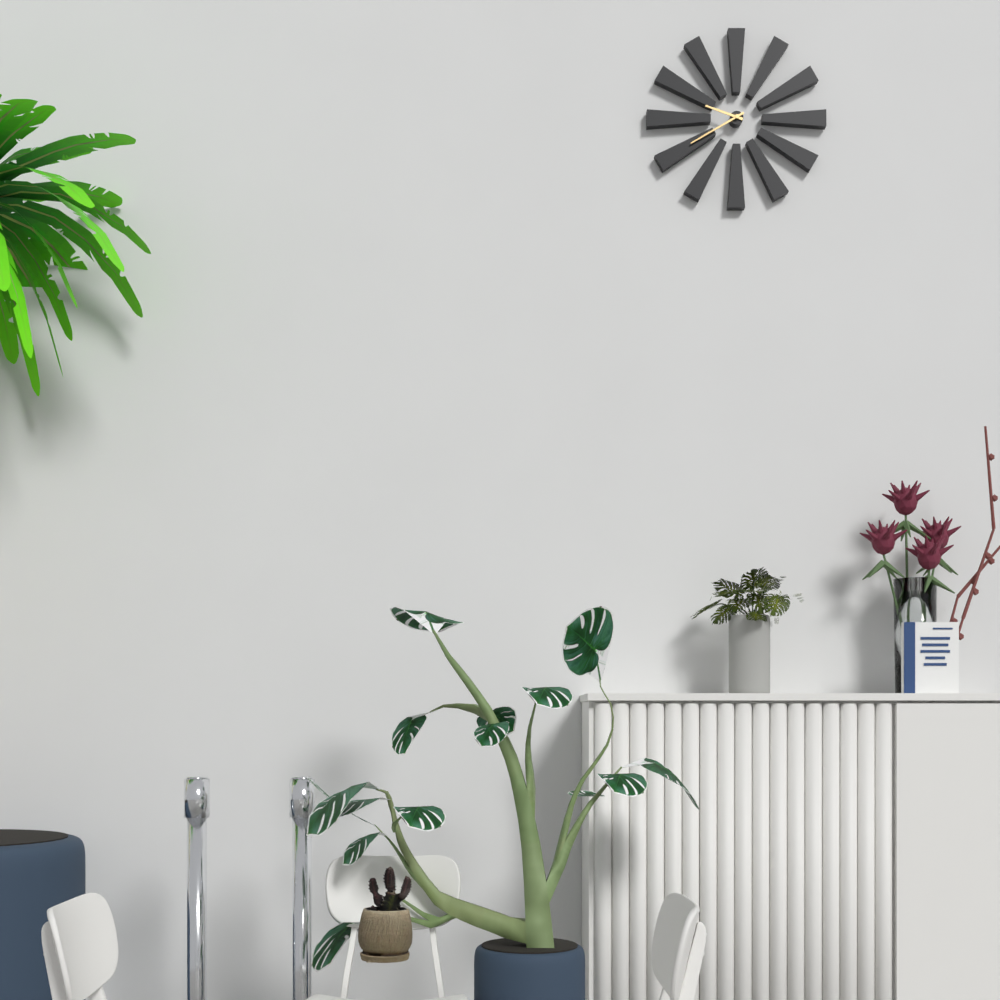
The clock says 9,40
